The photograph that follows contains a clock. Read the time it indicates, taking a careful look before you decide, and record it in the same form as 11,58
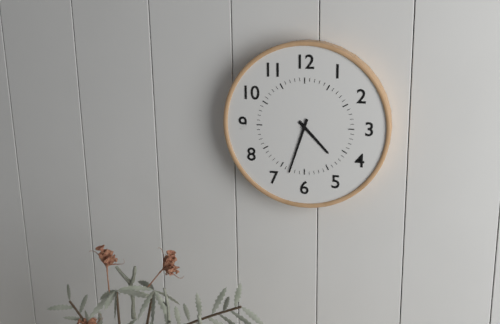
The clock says 4,33
